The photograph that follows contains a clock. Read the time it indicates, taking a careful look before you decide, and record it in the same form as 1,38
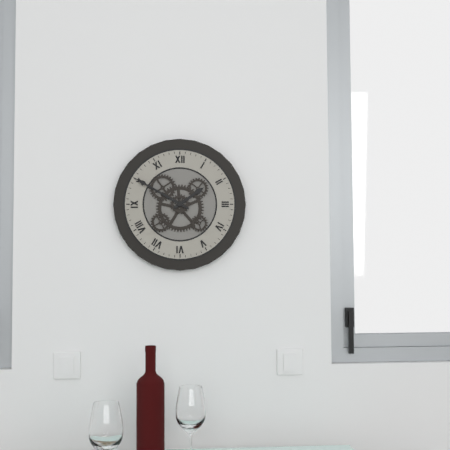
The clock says 1,50
